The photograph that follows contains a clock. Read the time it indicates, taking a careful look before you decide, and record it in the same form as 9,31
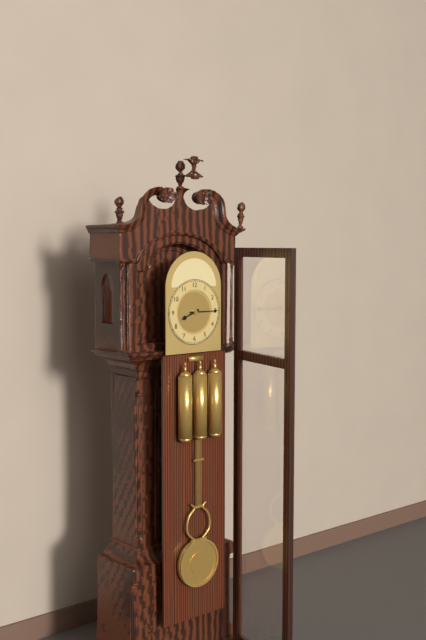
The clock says 8,15
